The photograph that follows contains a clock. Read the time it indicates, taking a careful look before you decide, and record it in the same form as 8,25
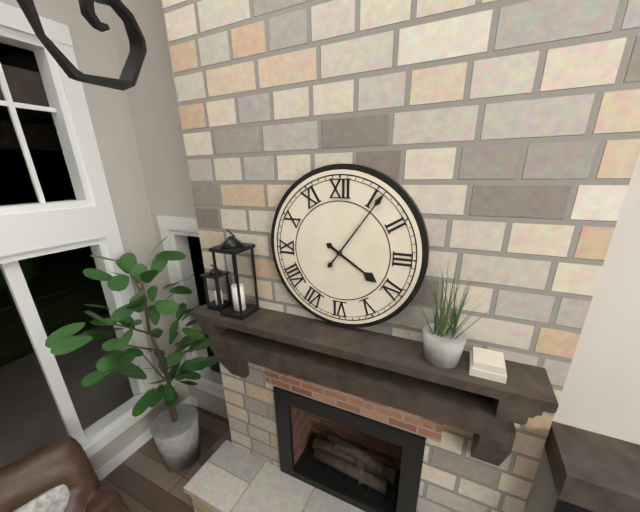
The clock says 4,06
